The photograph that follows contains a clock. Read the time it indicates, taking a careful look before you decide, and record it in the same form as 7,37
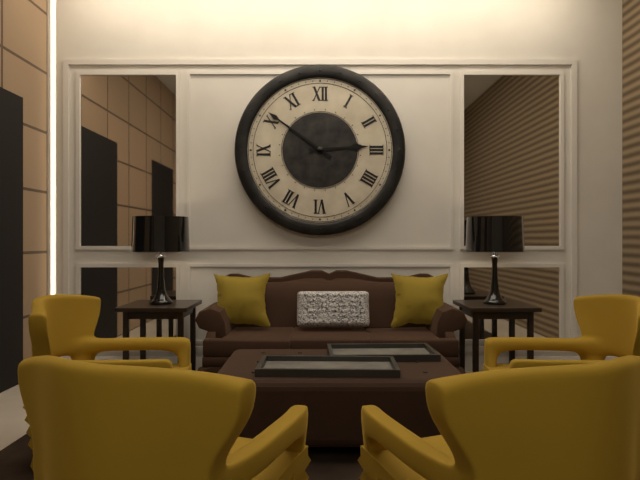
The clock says 2,51
